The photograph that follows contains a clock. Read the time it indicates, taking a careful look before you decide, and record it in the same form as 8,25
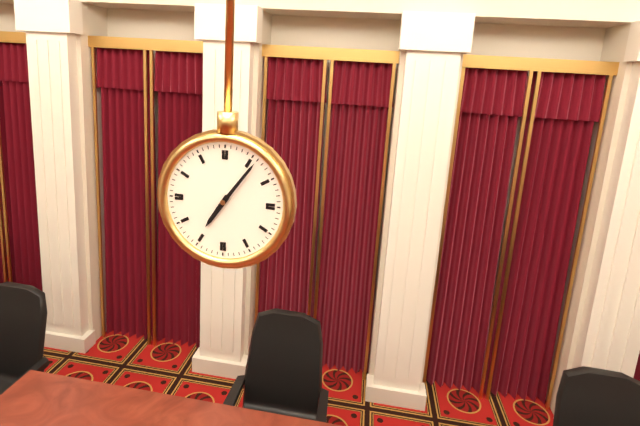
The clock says 7,06
